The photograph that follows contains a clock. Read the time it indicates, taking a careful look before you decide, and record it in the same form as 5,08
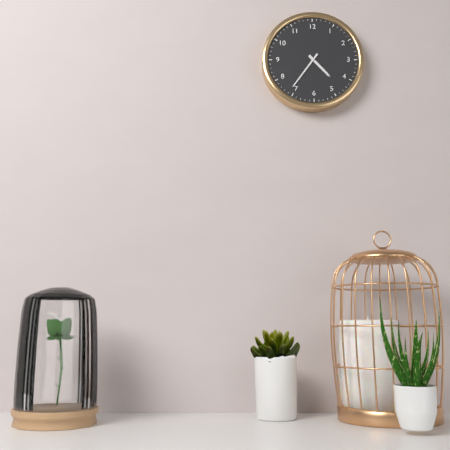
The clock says 4,36
